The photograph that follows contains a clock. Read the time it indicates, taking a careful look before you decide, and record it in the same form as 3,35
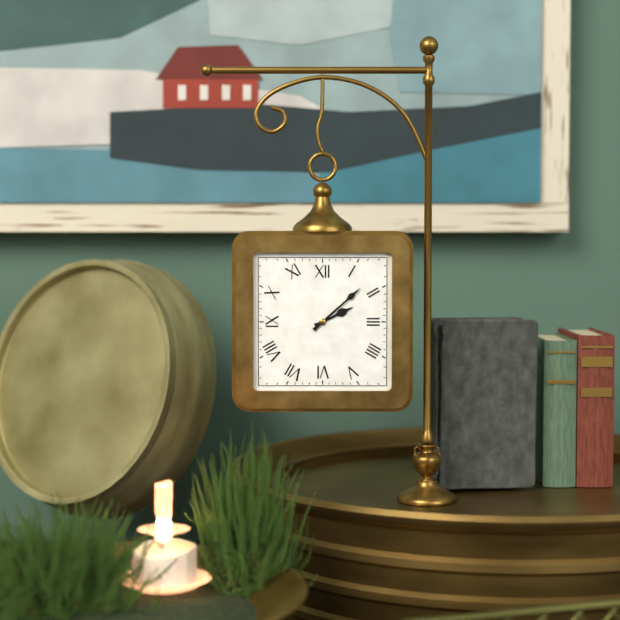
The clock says 2,08
